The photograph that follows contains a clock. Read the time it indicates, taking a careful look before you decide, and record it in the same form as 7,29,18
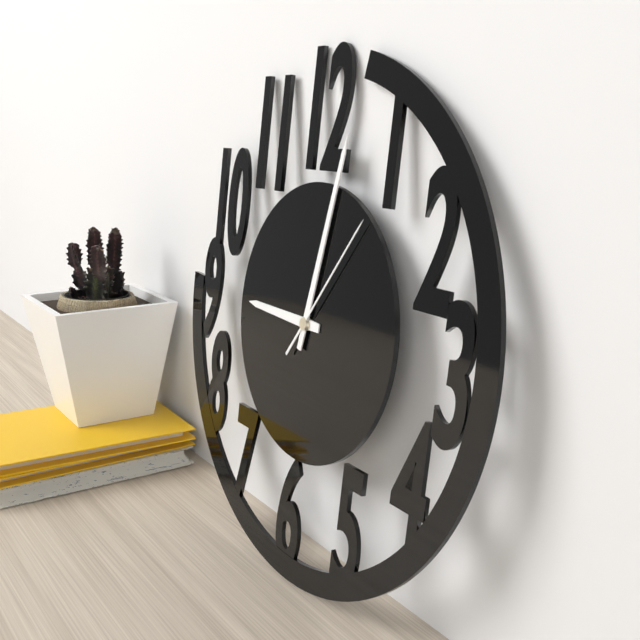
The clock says 9,02,06
